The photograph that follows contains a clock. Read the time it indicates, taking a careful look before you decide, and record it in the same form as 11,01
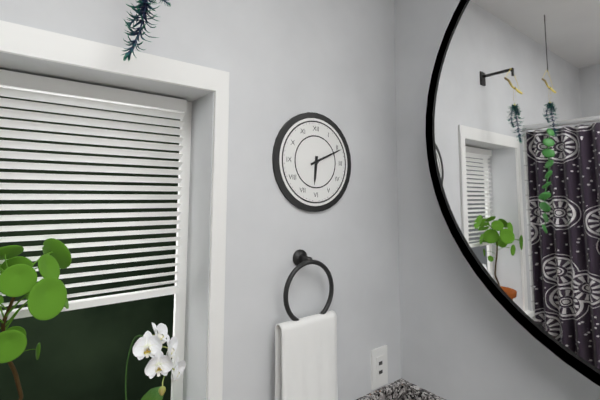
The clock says 6,11
